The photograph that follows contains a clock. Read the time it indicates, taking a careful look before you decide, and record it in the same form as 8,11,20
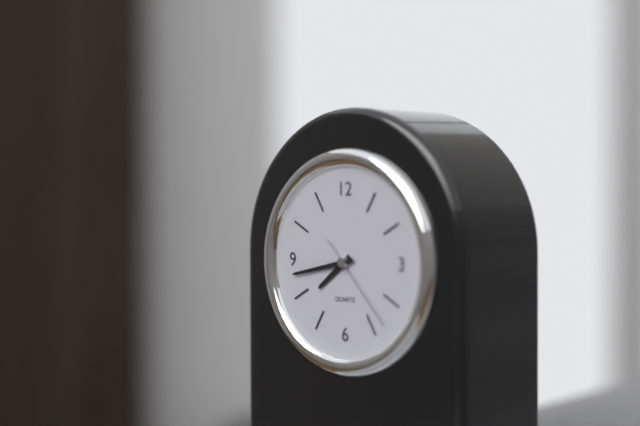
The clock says 7,43,23
